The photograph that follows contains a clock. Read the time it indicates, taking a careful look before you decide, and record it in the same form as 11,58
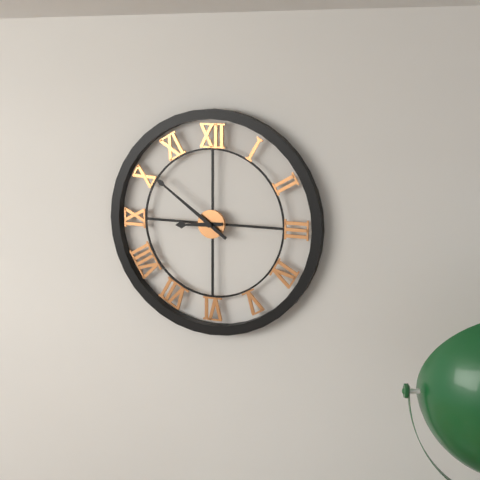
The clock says 8,51
